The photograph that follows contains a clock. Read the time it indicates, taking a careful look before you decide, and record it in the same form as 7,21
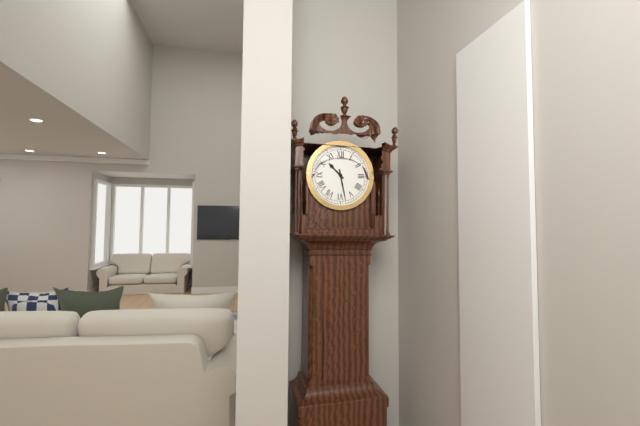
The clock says 10,28
